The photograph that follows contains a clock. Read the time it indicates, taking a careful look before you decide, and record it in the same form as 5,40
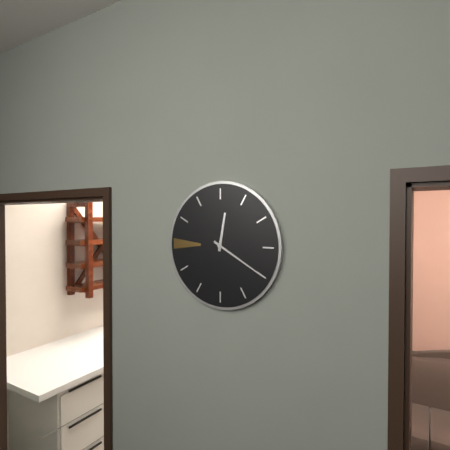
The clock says 12,20
